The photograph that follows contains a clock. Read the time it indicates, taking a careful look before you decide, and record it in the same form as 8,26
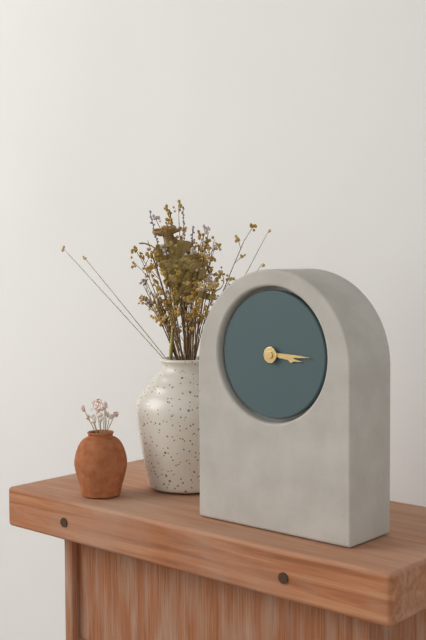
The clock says 3,15
